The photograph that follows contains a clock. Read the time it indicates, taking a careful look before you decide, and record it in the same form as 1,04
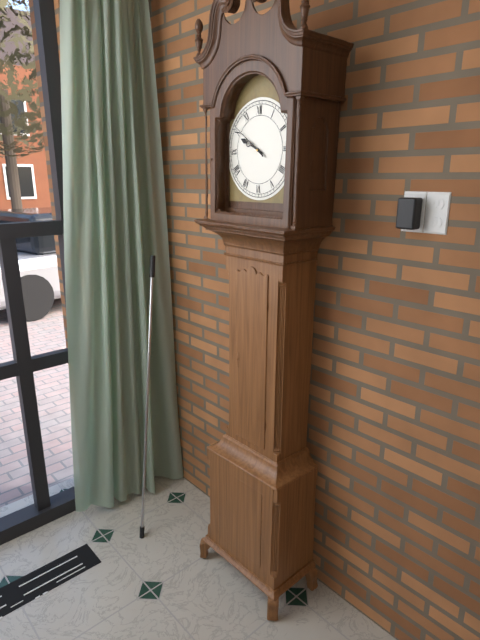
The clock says 9,51
